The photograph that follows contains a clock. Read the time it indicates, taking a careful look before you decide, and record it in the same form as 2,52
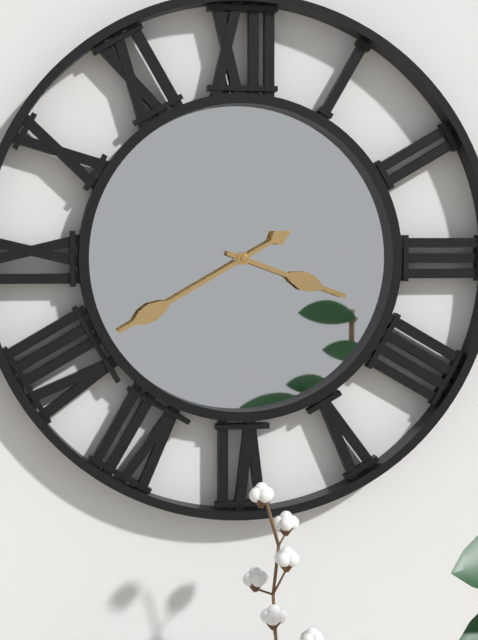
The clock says 3,40
